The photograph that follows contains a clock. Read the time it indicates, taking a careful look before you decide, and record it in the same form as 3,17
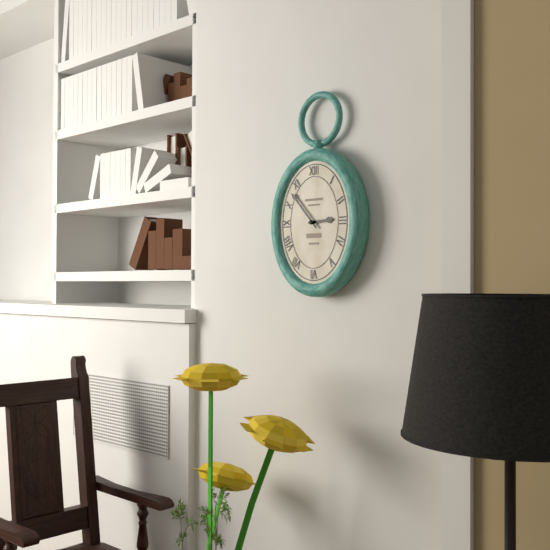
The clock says 2,53
